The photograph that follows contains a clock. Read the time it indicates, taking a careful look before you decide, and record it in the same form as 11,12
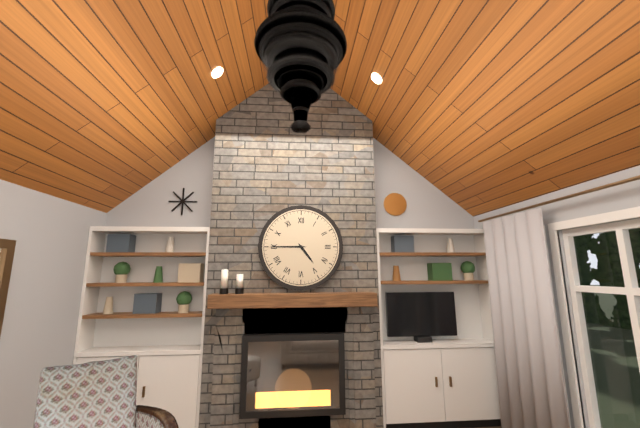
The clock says 4,45
